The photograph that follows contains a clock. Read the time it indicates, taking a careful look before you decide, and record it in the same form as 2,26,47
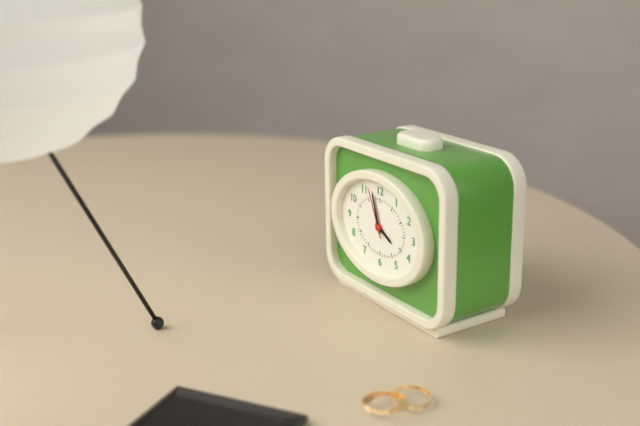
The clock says 3,57,56
